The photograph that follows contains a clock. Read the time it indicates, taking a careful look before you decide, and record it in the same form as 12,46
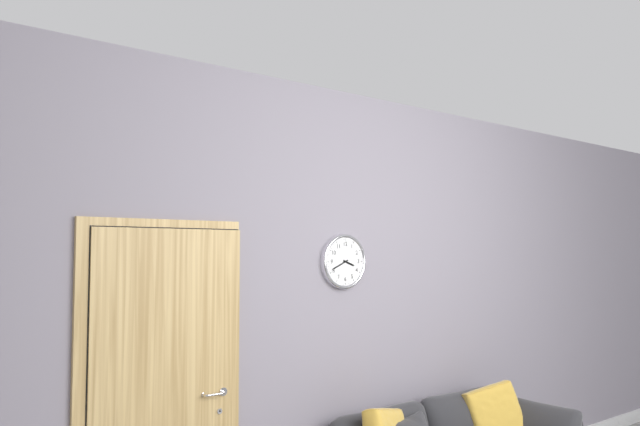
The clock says 3,41
